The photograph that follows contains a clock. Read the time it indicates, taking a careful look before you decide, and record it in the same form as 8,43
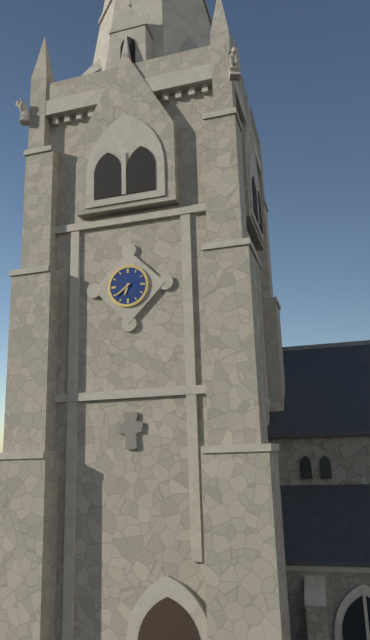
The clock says 6,39
